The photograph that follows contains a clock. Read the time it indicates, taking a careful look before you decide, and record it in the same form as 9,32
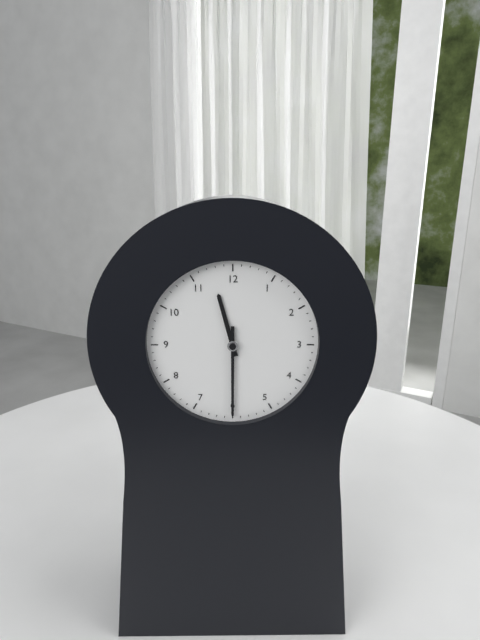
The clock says 11,30
